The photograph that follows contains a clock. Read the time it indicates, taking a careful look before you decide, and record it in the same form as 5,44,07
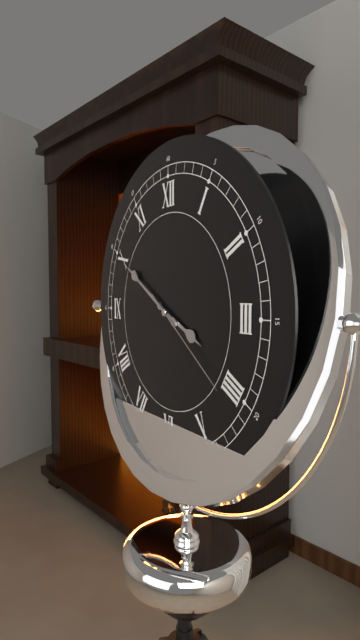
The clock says 3,50,21
